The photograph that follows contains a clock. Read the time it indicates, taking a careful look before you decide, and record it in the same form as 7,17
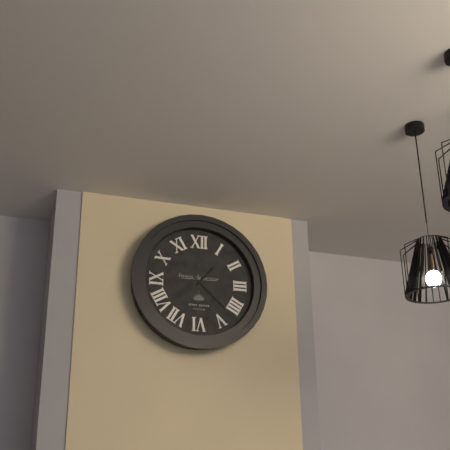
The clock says 1,22
